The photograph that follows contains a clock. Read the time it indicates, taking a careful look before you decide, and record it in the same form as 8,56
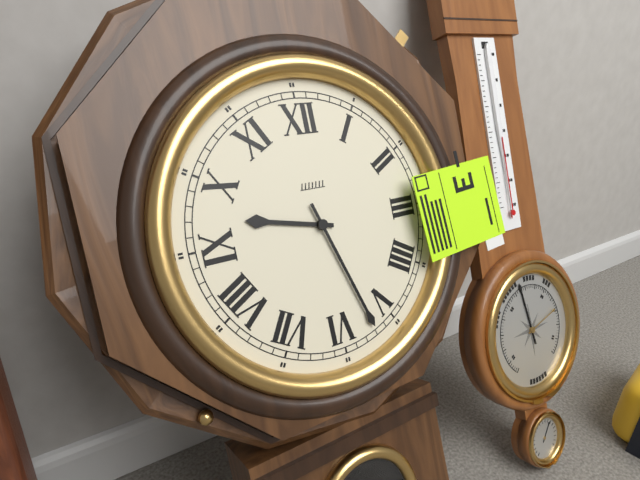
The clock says 9,27
